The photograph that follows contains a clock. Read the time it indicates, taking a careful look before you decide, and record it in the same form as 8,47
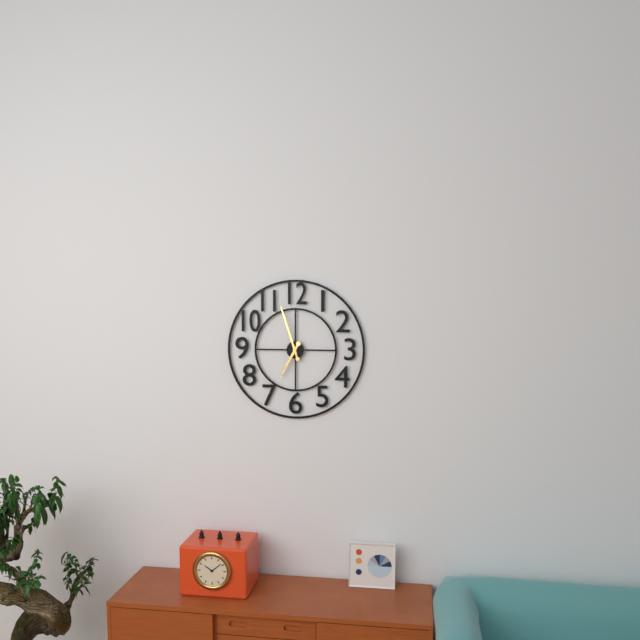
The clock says 6,57
